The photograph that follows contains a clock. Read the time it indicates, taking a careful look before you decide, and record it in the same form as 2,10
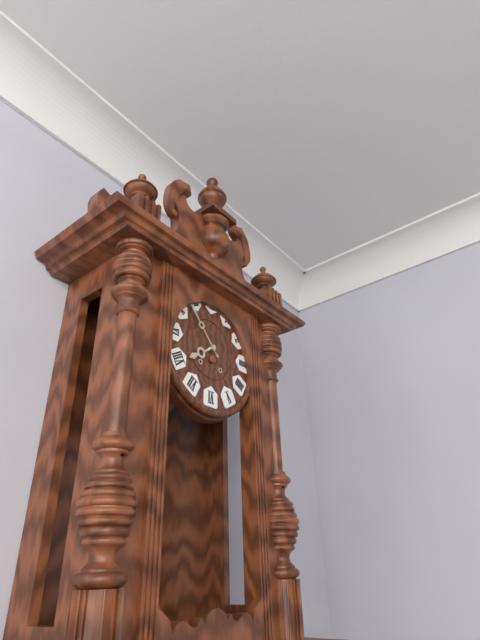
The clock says 7,53
